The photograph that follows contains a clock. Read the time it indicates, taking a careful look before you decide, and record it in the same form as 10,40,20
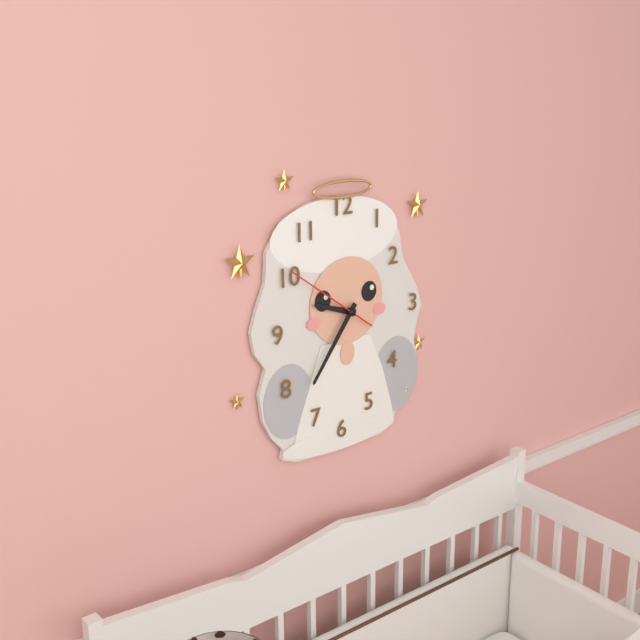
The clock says 9,36,51
